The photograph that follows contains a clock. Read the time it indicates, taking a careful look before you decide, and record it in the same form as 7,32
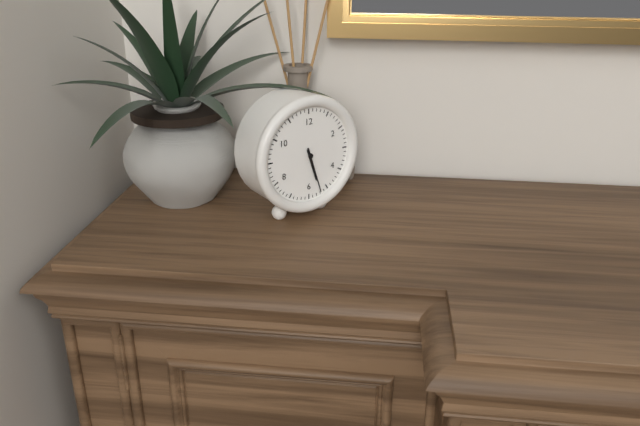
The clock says 5,27
